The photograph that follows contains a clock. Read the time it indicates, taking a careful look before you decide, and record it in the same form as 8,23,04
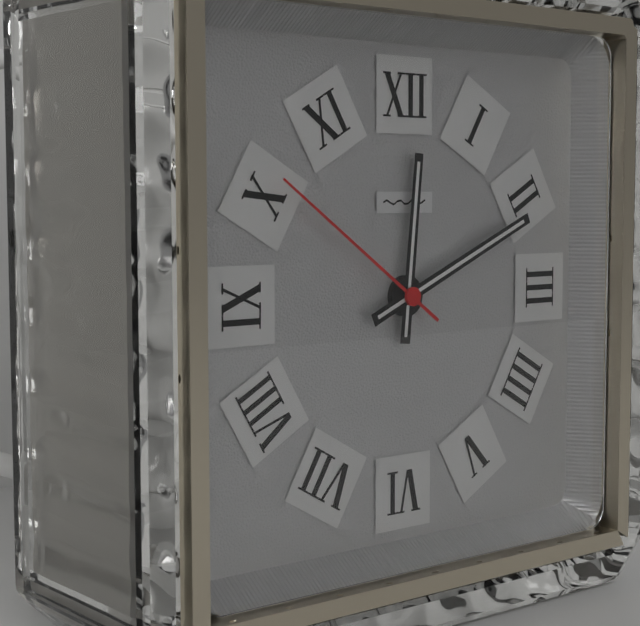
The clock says 12,11,51
